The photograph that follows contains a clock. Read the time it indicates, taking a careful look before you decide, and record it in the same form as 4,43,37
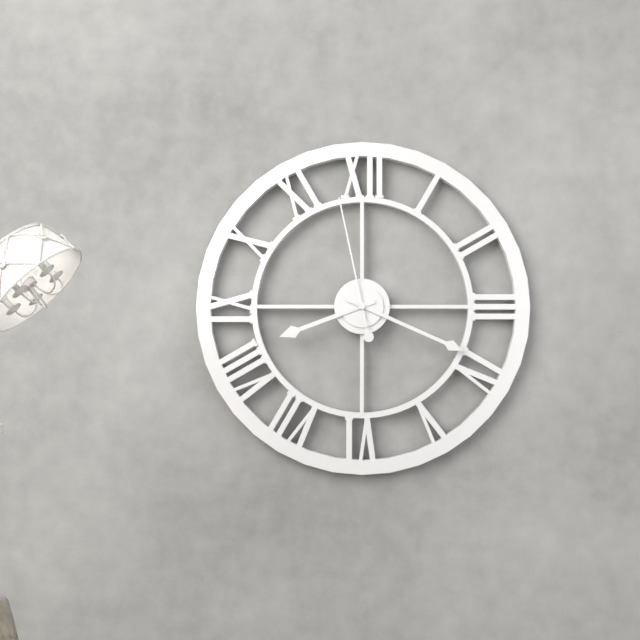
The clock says 8,19,58
